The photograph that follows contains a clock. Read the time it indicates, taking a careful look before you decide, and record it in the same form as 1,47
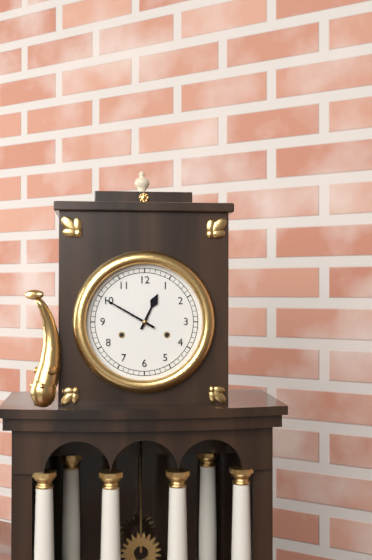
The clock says 12,50
